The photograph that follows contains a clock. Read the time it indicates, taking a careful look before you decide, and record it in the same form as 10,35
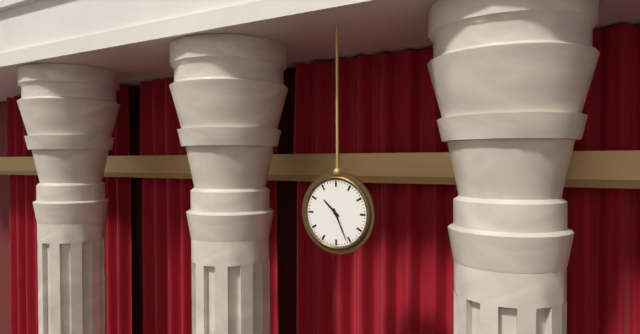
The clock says 10,26
